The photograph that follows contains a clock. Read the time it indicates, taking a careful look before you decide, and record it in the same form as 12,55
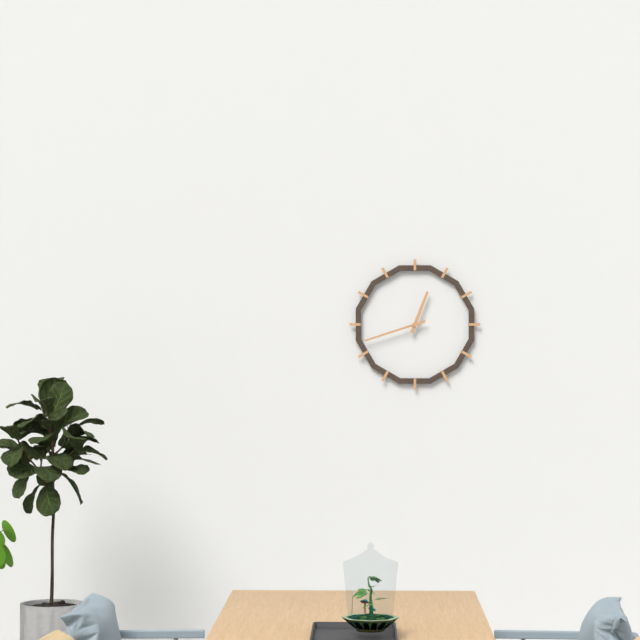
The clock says 12,42
